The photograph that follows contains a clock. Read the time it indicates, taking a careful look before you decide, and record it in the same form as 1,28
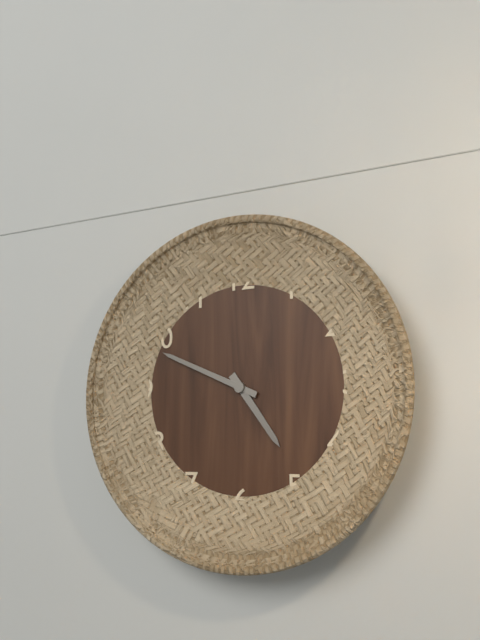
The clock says 4,49
